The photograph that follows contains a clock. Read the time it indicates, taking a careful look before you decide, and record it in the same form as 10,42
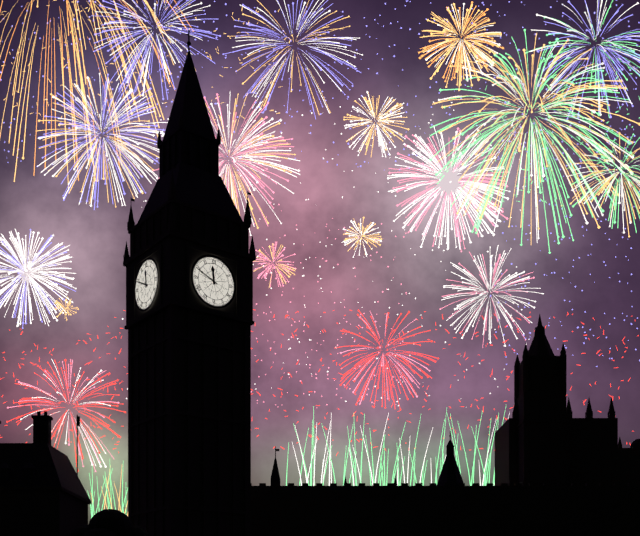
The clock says 11,49
